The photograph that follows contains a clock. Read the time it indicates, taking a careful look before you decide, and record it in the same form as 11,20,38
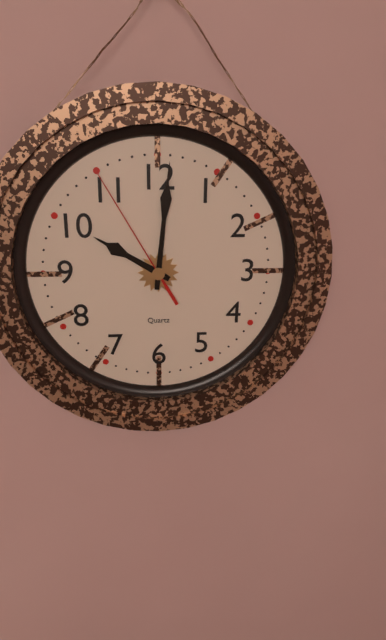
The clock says 10,01,55
